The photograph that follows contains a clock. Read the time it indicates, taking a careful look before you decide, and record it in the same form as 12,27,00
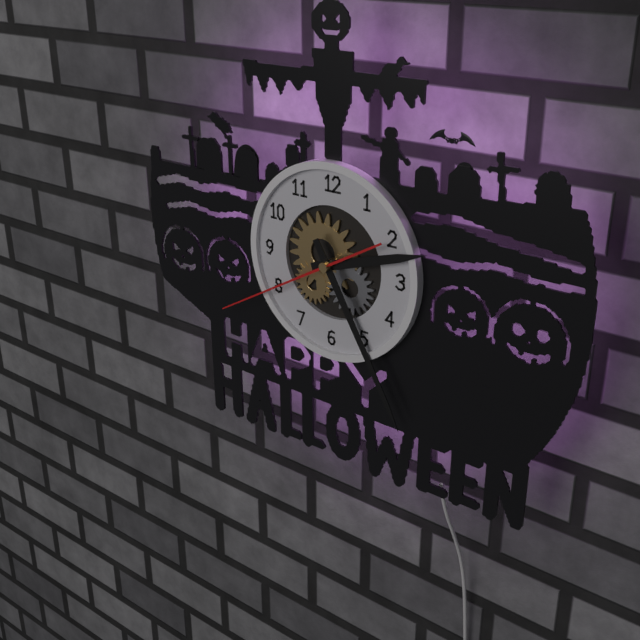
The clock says 2,25,40
